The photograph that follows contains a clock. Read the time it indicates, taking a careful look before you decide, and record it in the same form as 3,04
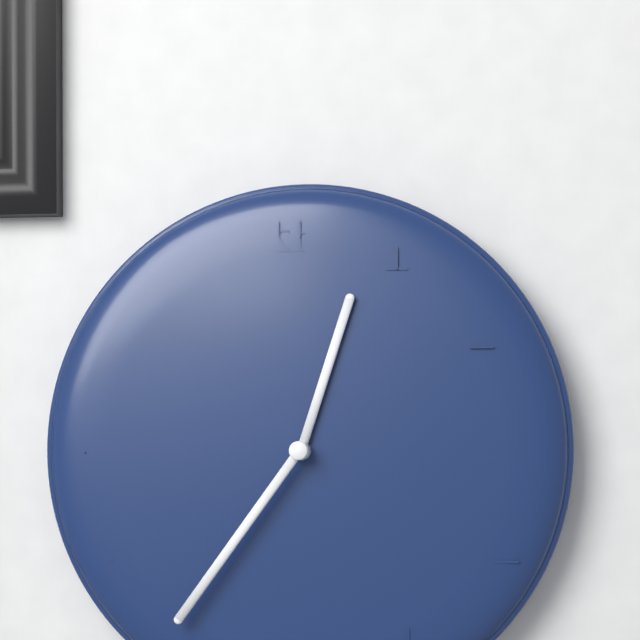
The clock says 12,36
